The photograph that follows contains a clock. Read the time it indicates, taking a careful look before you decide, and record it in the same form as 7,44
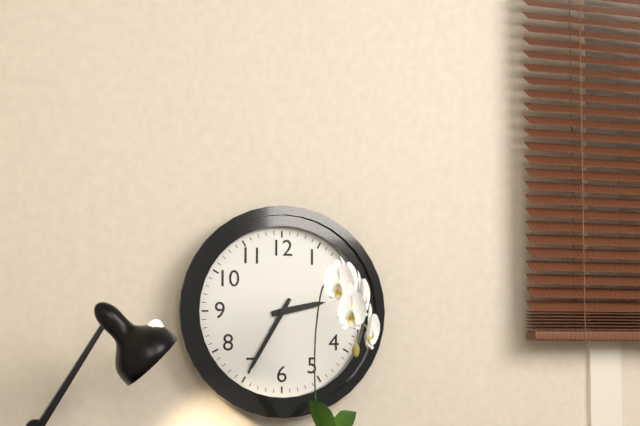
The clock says 2,35
